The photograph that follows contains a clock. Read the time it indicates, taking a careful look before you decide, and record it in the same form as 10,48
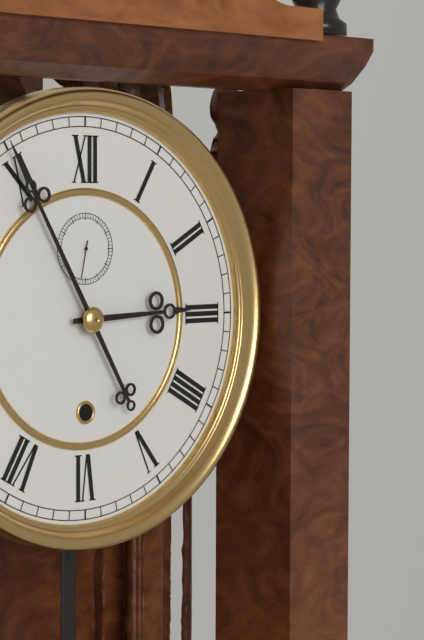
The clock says 2,55
